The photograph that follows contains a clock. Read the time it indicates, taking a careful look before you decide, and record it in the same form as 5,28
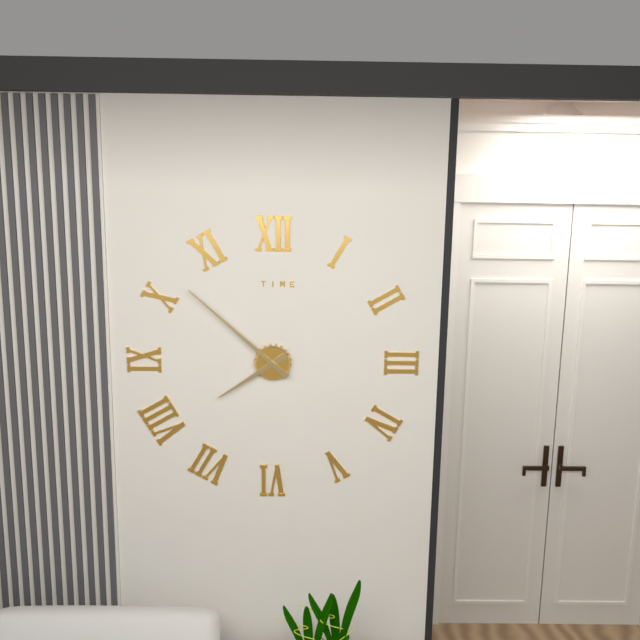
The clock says 7,52
